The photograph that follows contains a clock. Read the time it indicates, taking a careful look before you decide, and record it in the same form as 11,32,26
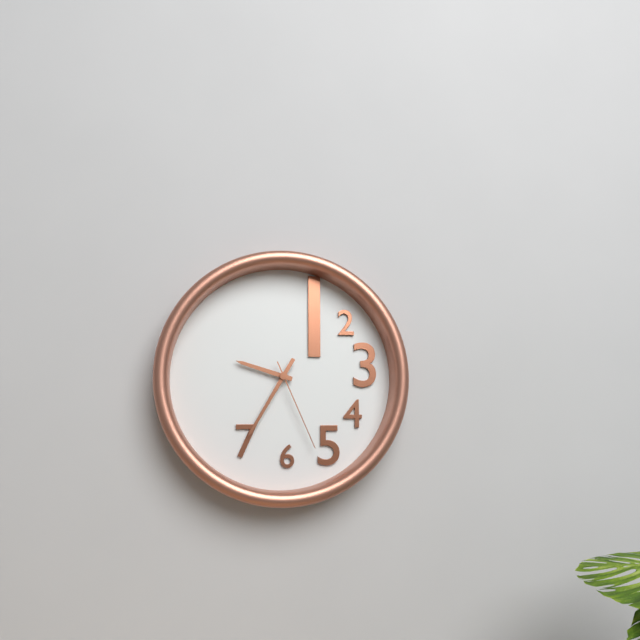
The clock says 9,35,26
